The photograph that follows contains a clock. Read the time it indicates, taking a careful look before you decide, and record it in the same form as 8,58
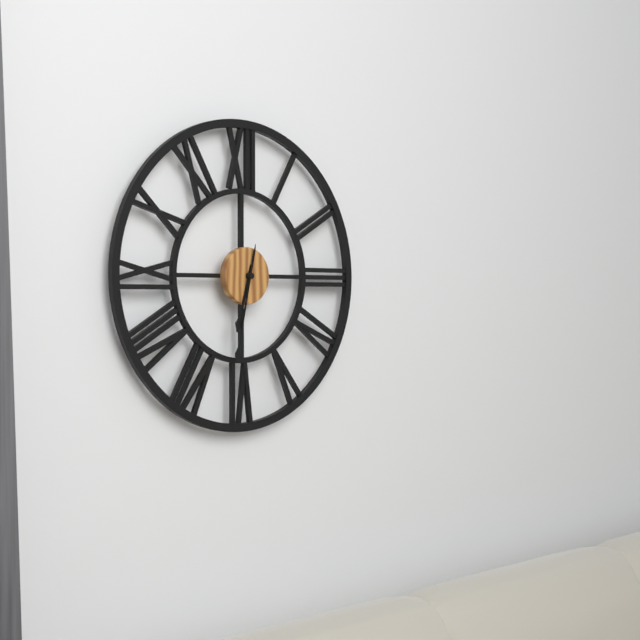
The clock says 6,32
